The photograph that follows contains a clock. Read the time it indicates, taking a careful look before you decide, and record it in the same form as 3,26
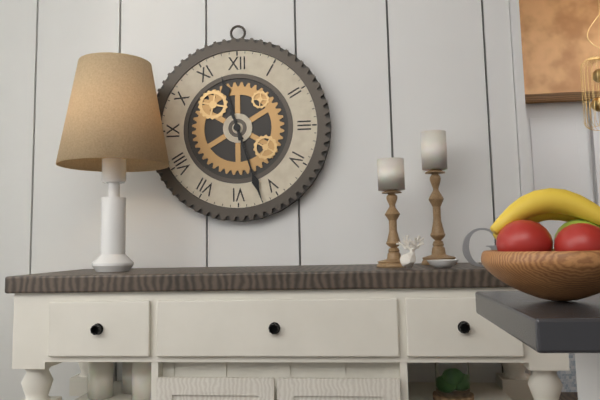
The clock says 11,27
